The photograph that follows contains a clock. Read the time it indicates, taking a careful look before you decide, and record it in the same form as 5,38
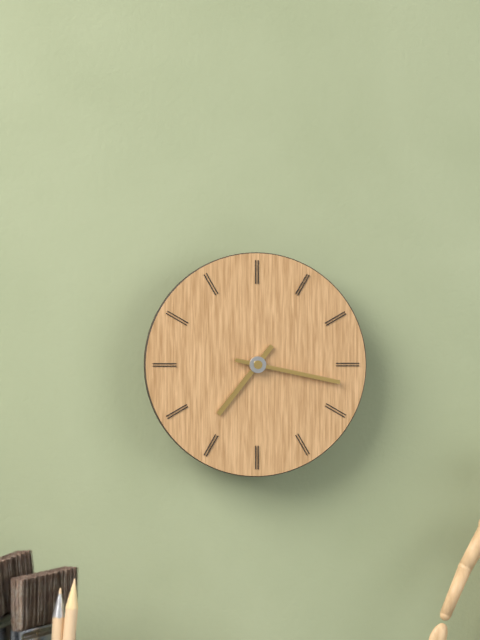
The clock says 7,17
